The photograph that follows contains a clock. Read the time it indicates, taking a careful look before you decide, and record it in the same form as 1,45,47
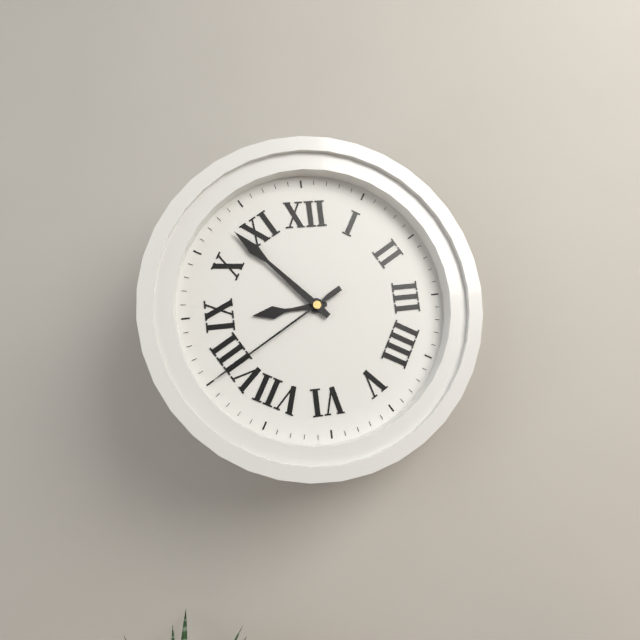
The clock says 8,53,40
